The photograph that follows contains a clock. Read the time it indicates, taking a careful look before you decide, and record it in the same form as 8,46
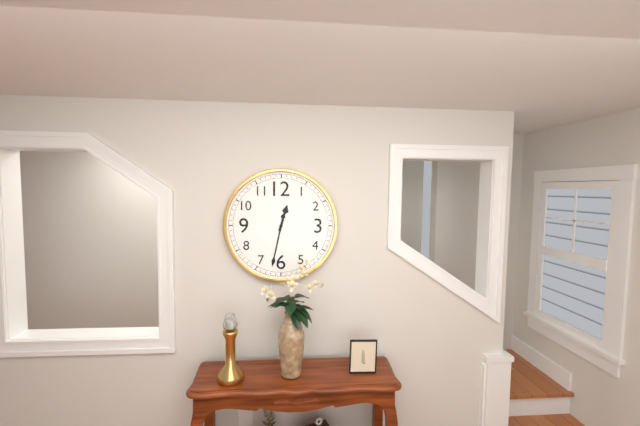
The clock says 12,32
